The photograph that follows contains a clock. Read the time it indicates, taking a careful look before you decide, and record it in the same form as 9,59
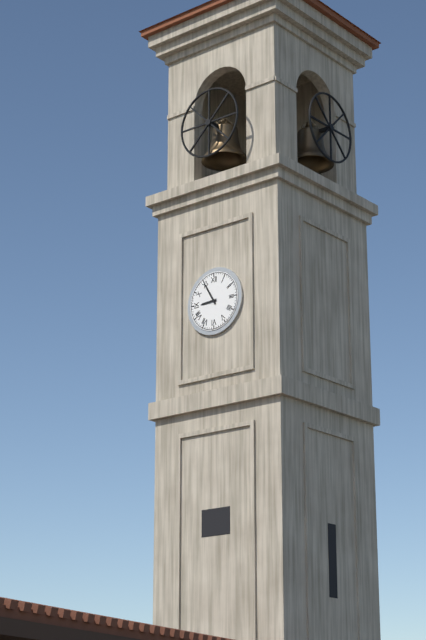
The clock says 8,55
